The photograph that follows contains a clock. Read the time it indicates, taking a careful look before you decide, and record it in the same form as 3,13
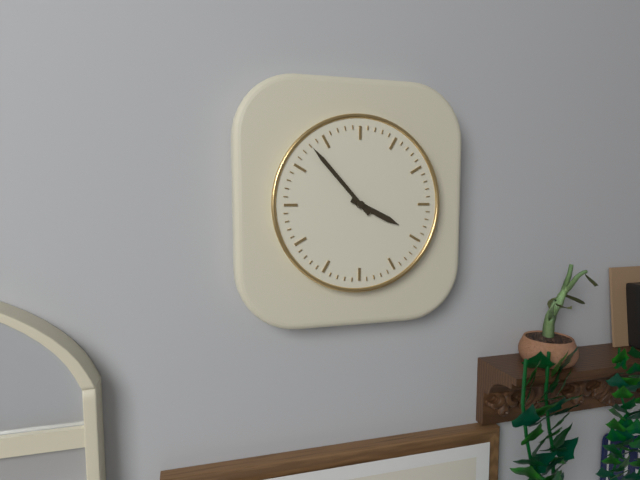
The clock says 3,53
